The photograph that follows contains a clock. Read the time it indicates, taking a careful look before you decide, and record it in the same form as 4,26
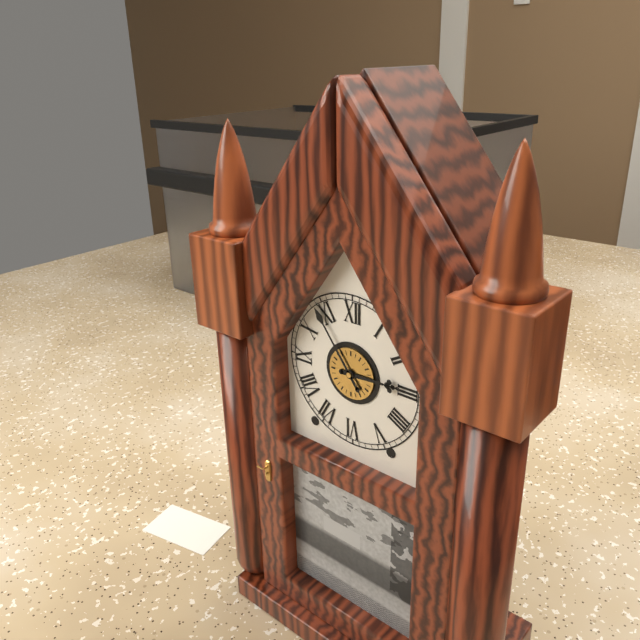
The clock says 2,54
